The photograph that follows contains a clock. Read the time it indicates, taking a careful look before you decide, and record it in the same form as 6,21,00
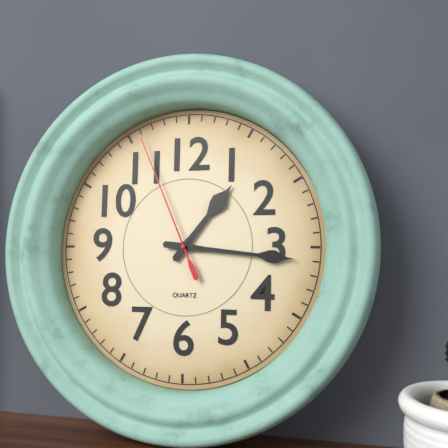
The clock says 1,16,56
